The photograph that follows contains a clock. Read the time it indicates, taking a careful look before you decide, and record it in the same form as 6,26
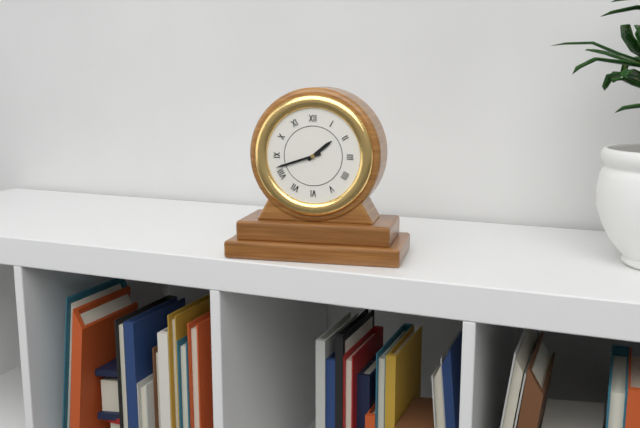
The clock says 1,42
